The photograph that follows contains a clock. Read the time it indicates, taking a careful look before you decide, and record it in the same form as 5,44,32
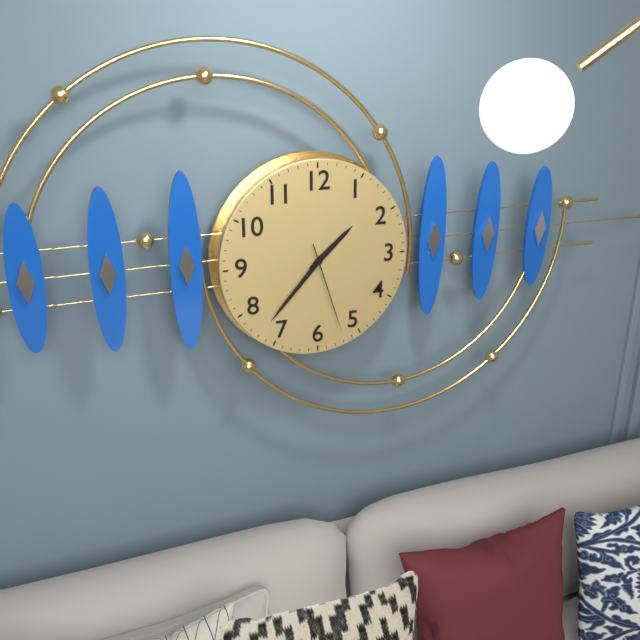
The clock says 1,37,27
